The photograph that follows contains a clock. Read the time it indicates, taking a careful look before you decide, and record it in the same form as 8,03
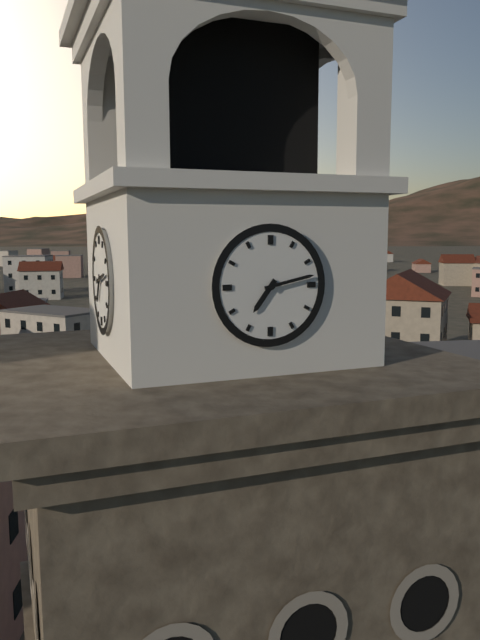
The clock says 7,13
